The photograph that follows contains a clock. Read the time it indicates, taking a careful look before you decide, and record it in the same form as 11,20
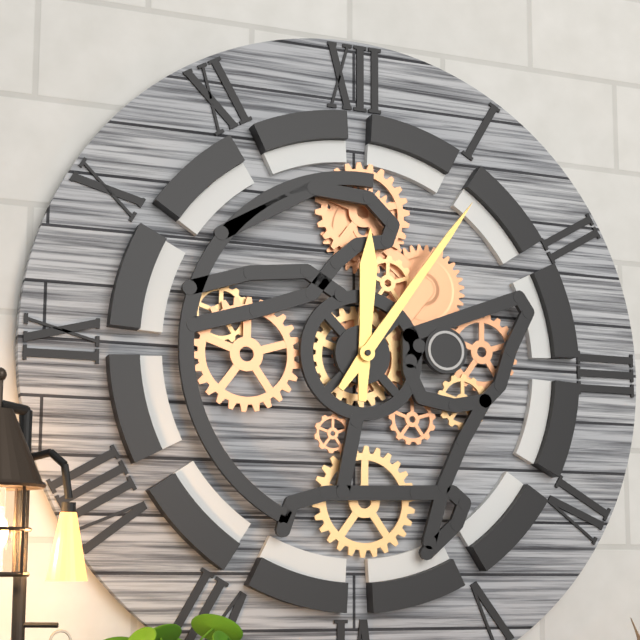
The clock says 12,06
